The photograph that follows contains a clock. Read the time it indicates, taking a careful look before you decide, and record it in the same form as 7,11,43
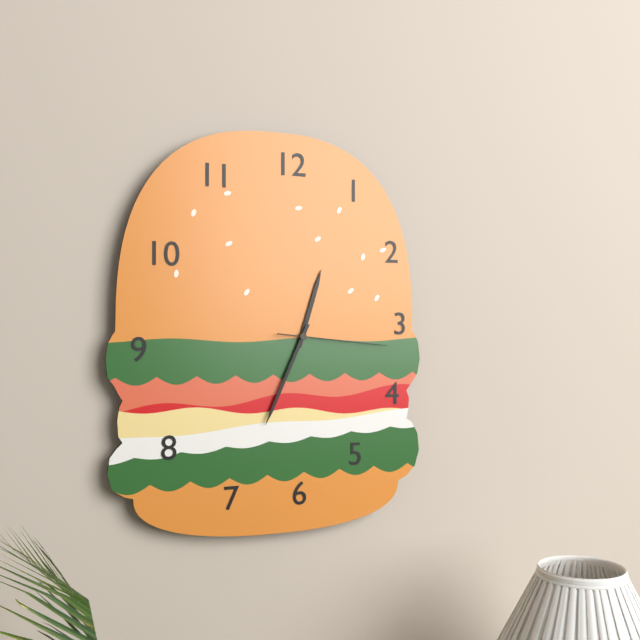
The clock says 12,34,16
